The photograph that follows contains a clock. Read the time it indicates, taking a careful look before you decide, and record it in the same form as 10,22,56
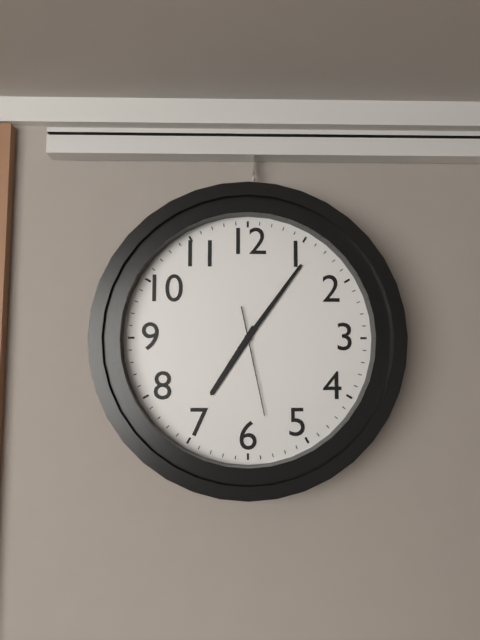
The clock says 7,06,28
